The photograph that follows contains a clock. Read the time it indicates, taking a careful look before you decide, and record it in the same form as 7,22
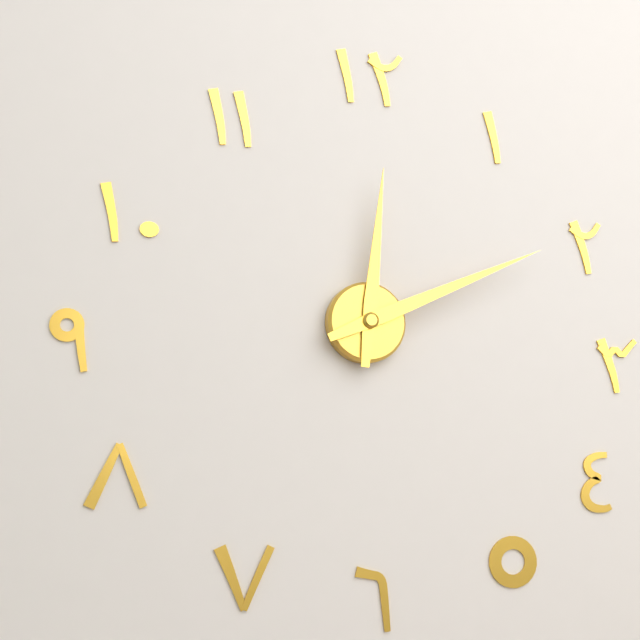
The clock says 12,11
